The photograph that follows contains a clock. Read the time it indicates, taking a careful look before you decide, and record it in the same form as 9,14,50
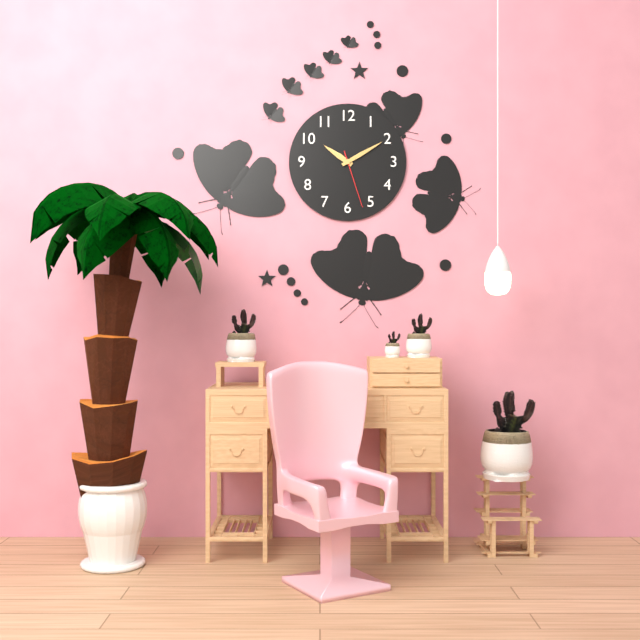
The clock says 10,10,27
